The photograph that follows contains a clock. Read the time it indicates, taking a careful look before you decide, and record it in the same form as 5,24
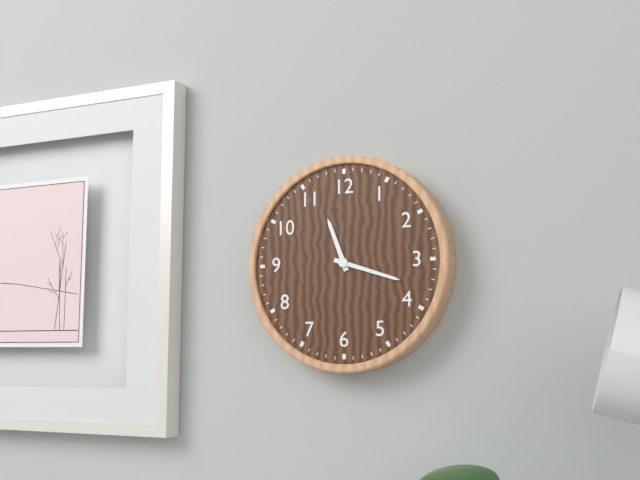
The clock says 11,18
